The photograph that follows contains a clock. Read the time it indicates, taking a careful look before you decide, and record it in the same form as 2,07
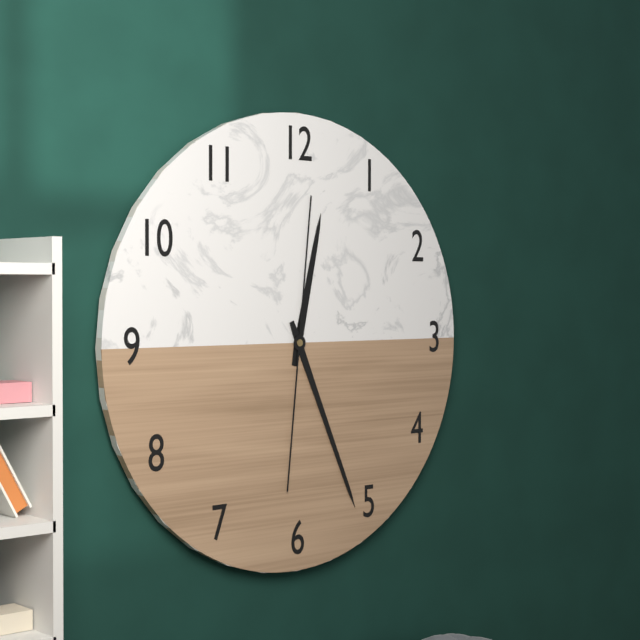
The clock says 12,26
